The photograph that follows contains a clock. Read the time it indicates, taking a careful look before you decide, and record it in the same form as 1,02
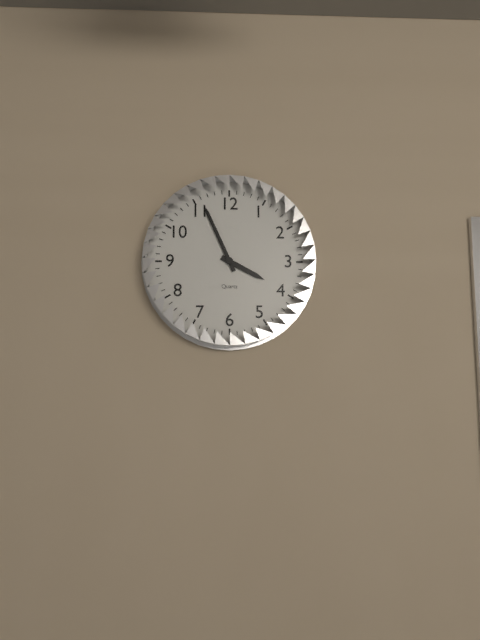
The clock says 3,56
